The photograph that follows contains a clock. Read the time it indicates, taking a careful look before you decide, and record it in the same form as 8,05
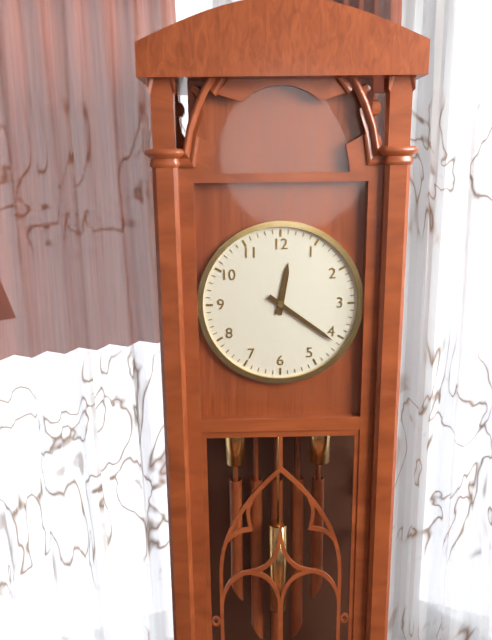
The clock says 12,21
